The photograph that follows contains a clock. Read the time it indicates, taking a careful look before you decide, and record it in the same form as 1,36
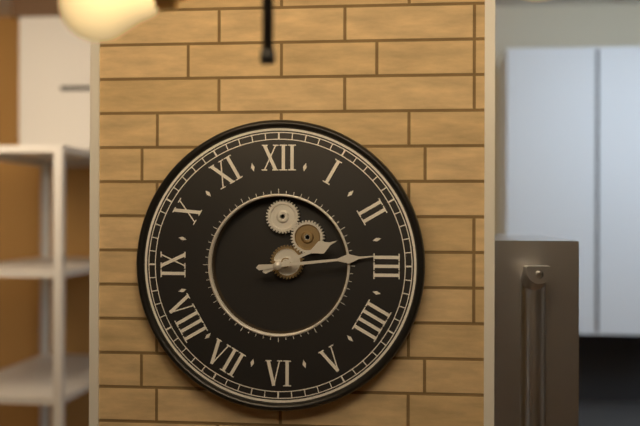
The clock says 2,14
